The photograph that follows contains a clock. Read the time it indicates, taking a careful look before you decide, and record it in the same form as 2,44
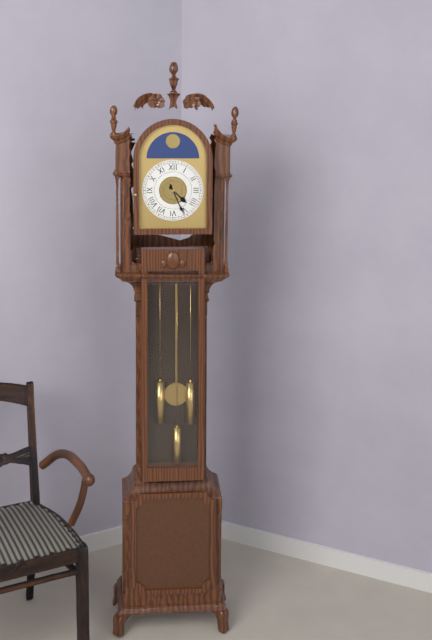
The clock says 4,26
